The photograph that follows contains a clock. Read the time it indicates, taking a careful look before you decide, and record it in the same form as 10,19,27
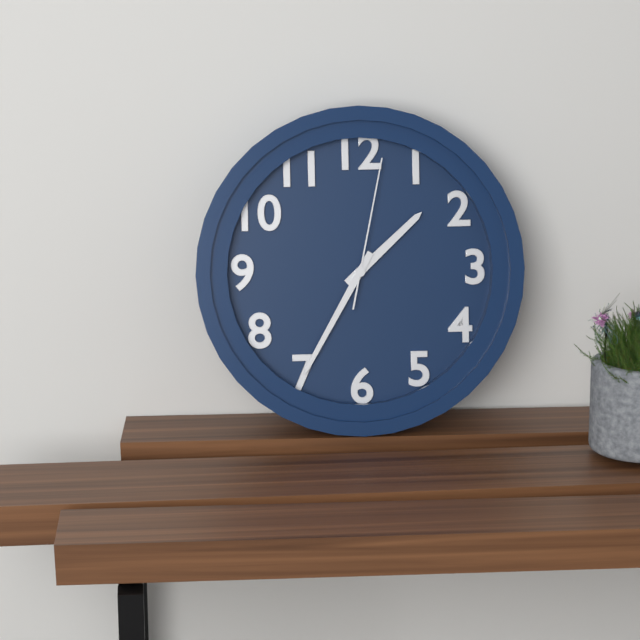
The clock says 1,35,02
